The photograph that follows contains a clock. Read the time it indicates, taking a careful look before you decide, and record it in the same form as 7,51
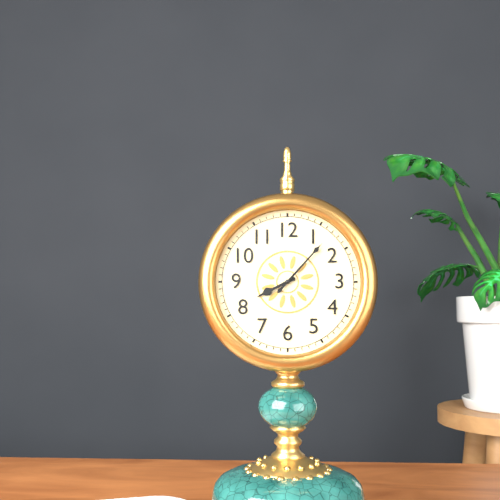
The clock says 8,07
